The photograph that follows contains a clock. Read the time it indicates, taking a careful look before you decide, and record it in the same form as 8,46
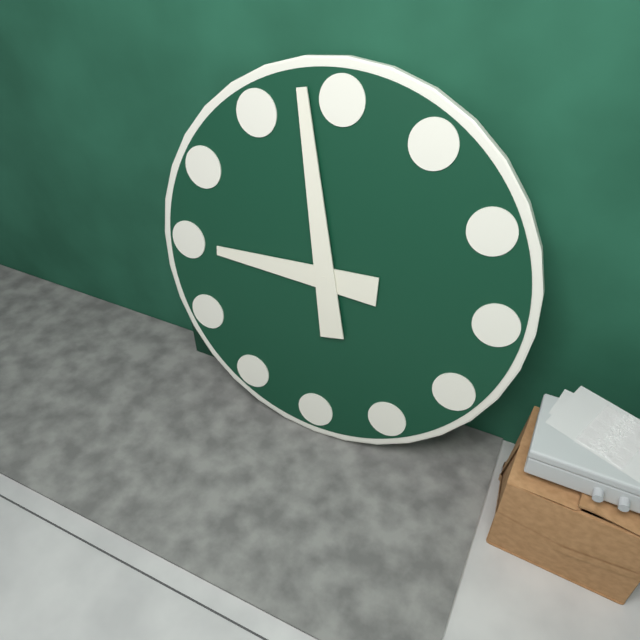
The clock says 8,58
